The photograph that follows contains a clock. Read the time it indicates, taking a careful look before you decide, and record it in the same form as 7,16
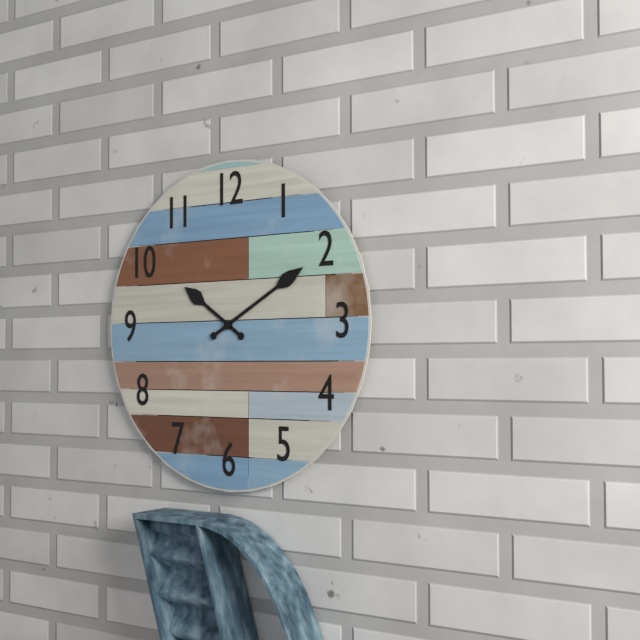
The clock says 10,10
